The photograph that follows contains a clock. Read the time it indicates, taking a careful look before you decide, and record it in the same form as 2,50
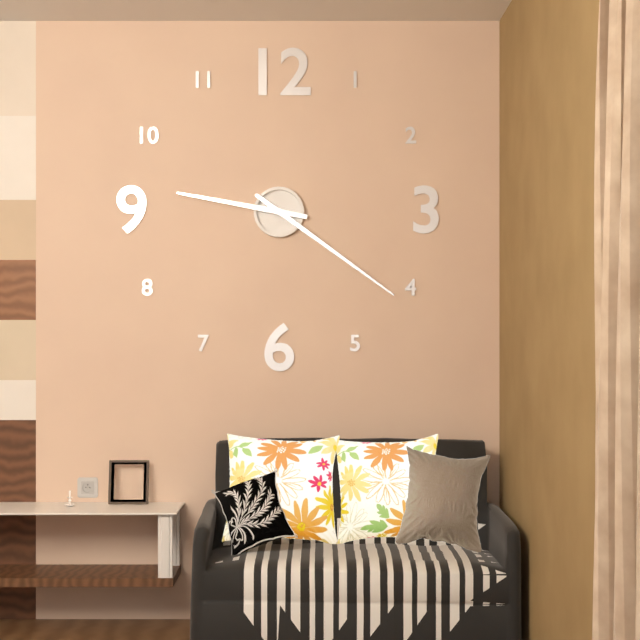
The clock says 9,21
